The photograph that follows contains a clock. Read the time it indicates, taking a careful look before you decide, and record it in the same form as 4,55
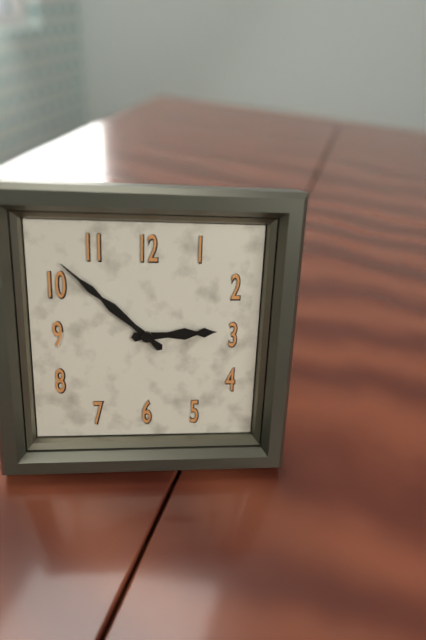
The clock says 2,52
